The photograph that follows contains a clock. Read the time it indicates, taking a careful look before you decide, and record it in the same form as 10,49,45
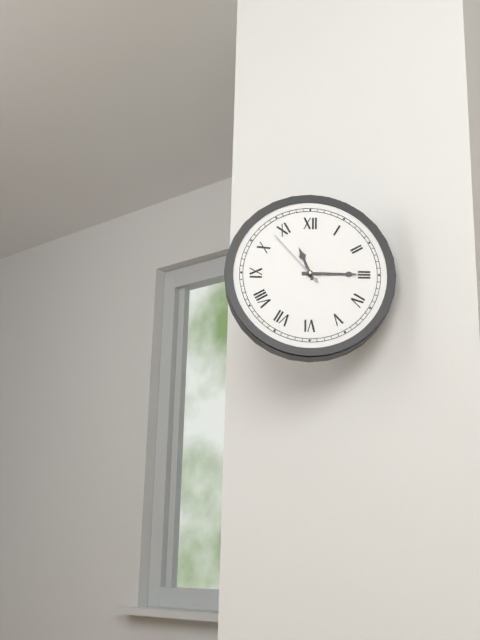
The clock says 11,15,53
